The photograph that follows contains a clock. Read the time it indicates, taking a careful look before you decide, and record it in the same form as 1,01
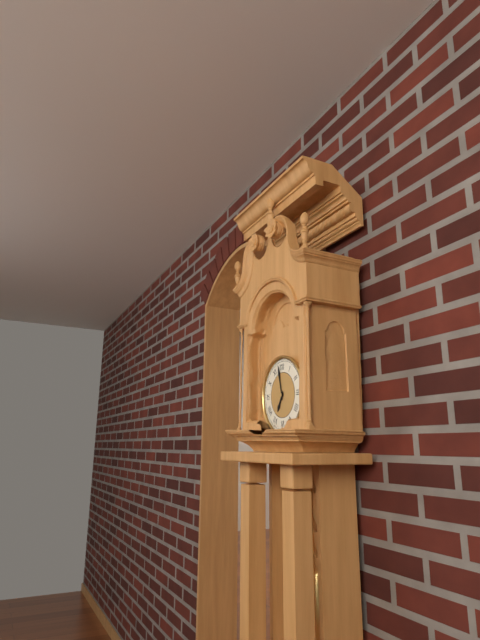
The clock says 6,58
